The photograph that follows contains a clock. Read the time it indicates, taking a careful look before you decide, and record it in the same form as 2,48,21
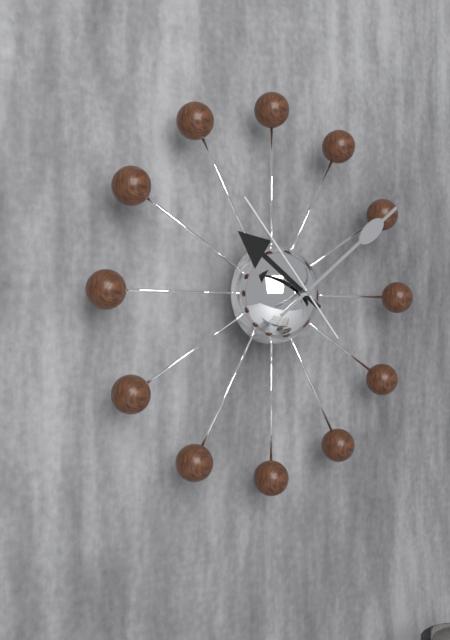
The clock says 10,09,53
